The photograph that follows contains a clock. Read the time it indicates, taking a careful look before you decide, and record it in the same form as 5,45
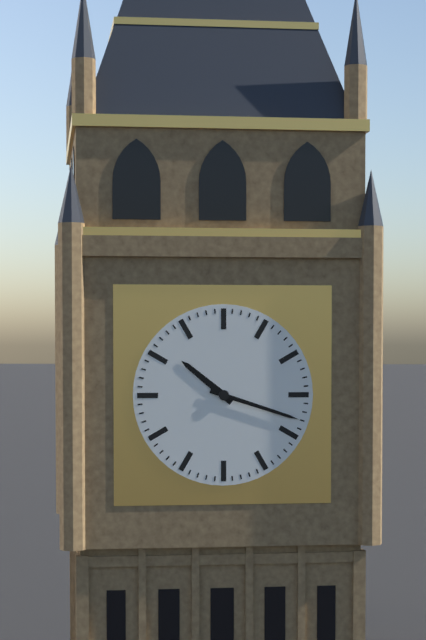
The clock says 10,18
